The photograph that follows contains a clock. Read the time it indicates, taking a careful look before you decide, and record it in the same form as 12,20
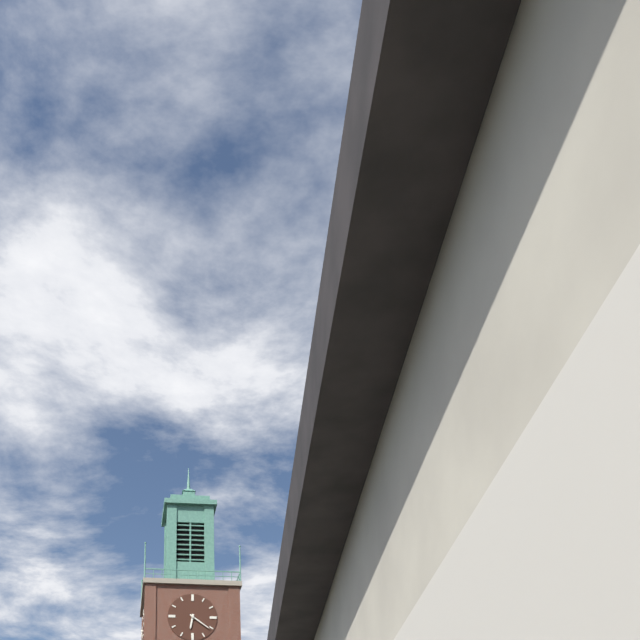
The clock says 6,21
